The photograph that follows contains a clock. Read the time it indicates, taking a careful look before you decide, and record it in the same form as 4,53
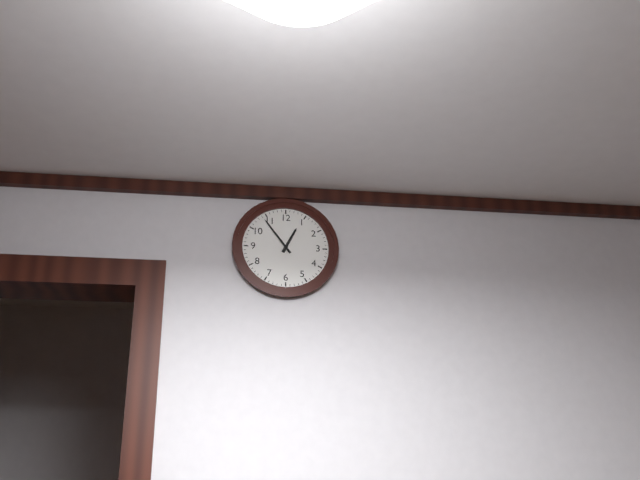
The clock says 12,54
